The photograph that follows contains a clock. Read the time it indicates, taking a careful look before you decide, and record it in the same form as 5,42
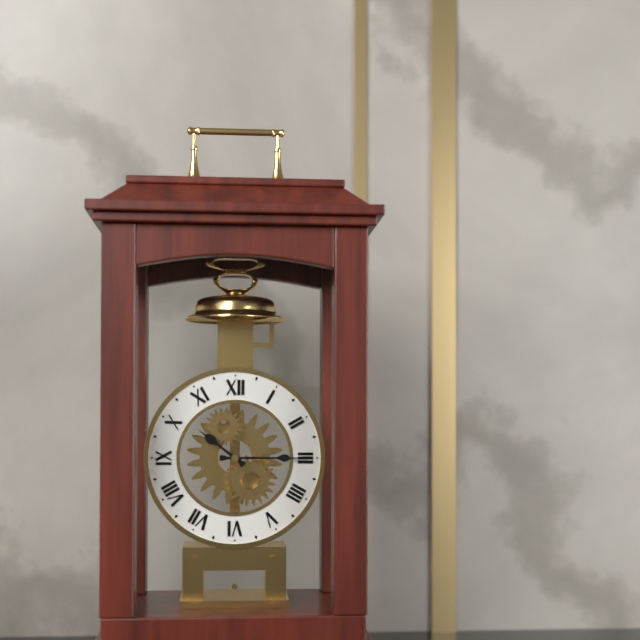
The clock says 10,15
